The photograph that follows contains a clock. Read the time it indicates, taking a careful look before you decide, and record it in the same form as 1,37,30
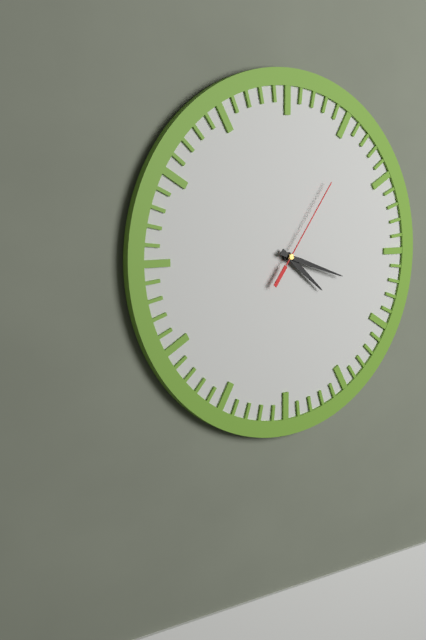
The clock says 4,18,06
